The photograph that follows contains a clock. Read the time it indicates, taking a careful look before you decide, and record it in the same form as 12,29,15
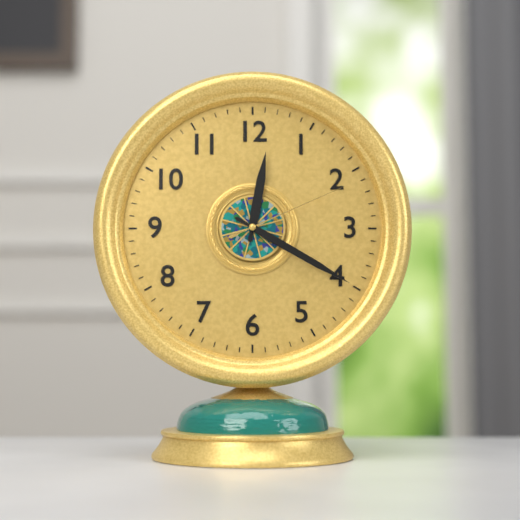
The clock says 12,20,11
